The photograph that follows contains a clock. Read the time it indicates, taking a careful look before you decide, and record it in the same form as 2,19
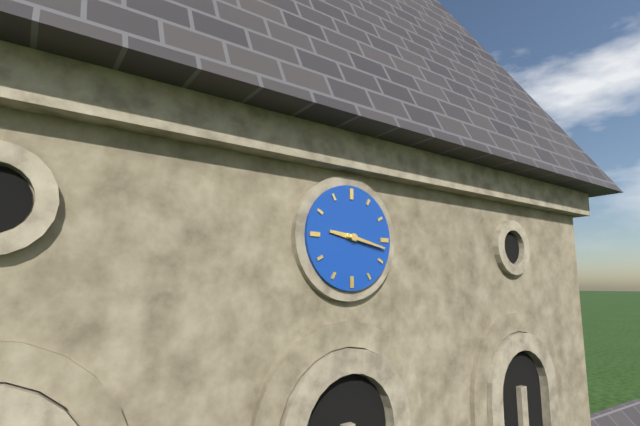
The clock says 9,17
